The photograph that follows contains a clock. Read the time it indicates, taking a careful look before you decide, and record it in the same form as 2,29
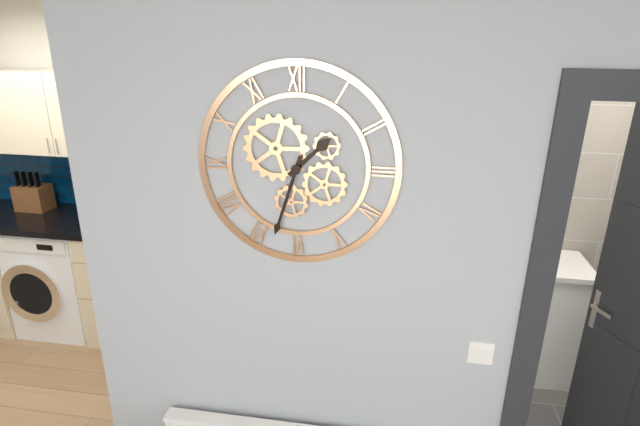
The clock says 1,33
